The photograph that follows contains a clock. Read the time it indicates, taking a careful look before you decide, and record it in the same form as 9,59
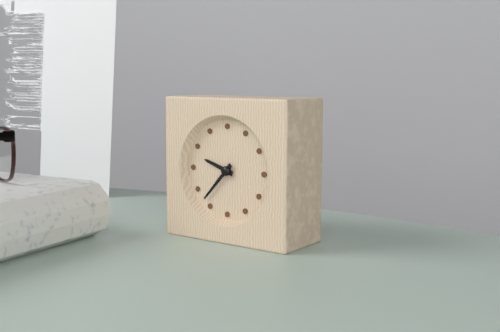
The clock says 9,37
